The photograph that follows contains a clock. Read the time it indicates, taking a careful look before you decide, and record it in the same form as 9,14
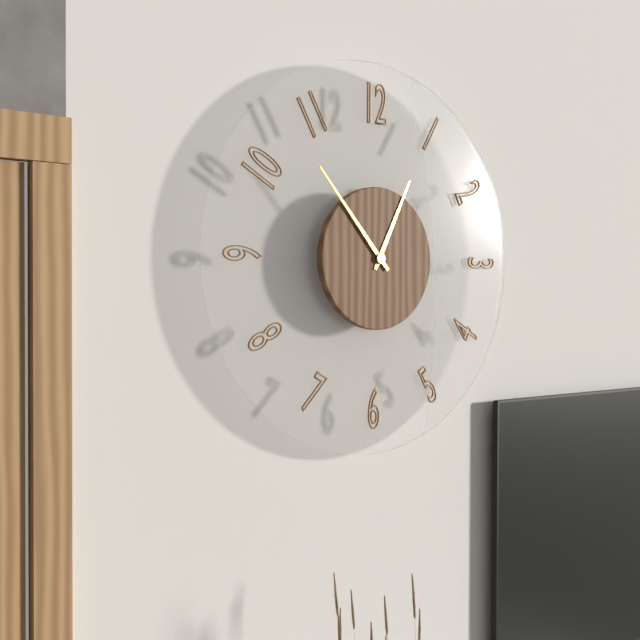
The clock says 12,53
